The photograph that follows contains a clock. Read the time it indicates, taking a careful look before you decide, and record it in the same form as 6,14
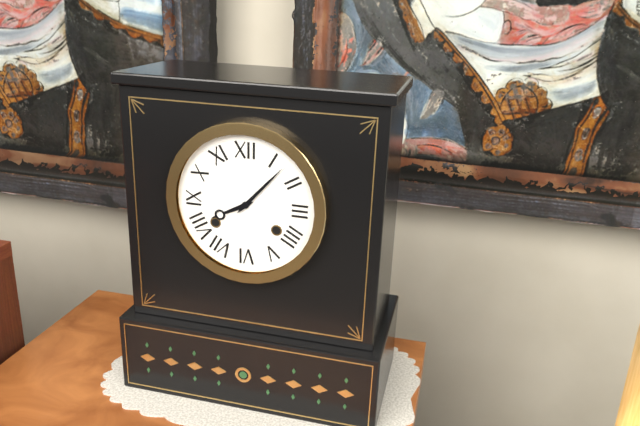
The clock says 8,07
